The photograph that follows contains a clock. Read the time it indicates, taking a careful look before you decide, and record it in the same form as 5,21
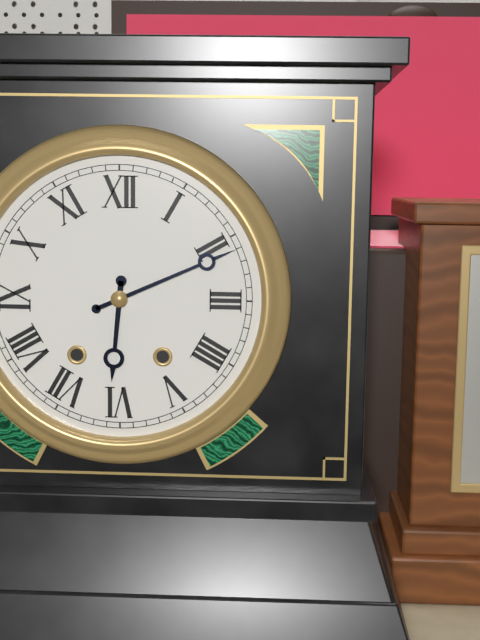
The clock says 6,11
